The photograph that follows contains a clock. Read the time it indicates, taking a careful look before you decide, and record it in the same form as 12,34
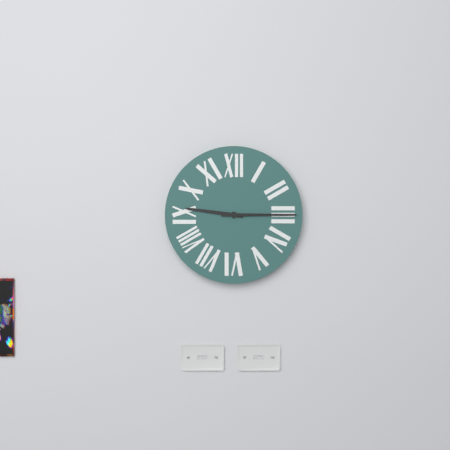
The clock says 9,15
